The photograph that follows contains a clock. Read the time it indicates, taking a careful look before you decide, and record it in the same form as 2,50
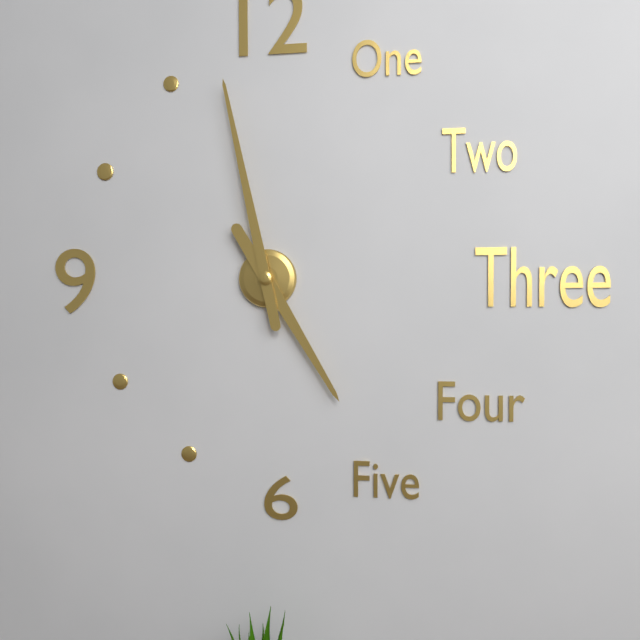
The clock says 4,58
